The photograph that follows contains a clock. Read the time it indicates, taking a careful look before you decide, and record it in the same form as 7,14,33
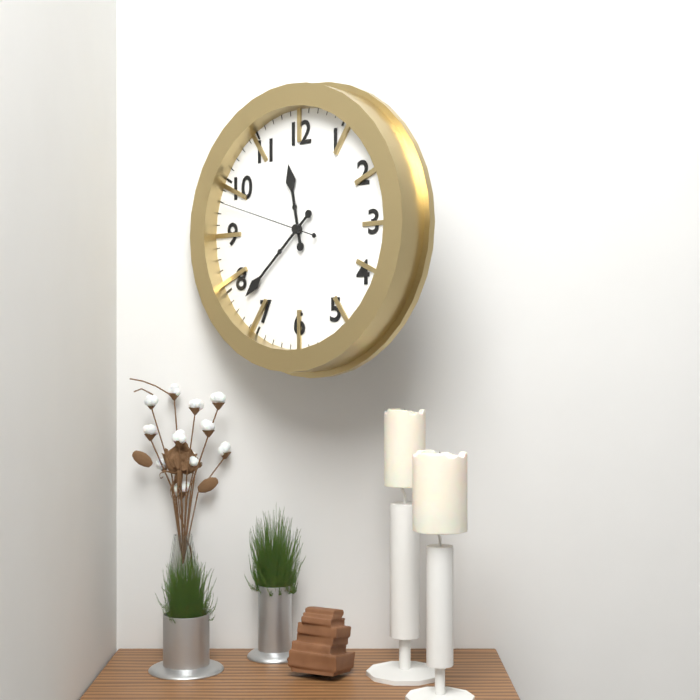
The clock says 11,38,48
